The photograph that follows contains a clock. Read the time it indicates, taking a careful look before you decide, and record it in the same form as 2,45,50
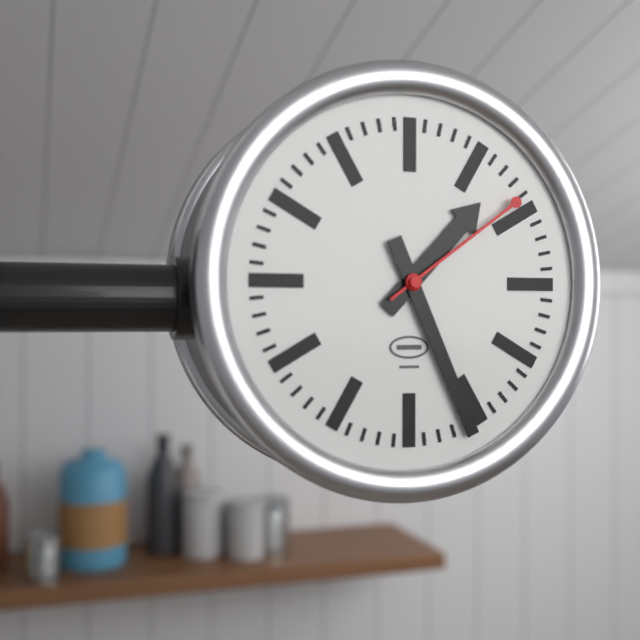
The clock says 1,26,09
